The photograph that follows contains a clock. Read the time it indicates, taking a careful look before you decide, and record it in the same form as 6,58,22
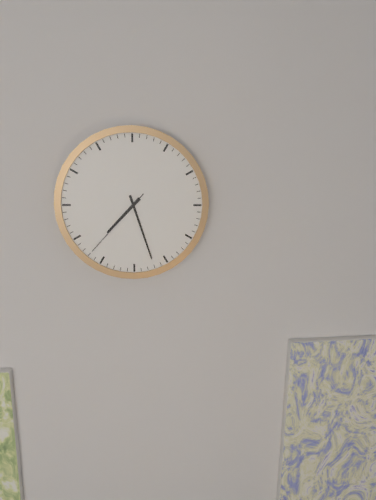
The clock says 7,27,37
